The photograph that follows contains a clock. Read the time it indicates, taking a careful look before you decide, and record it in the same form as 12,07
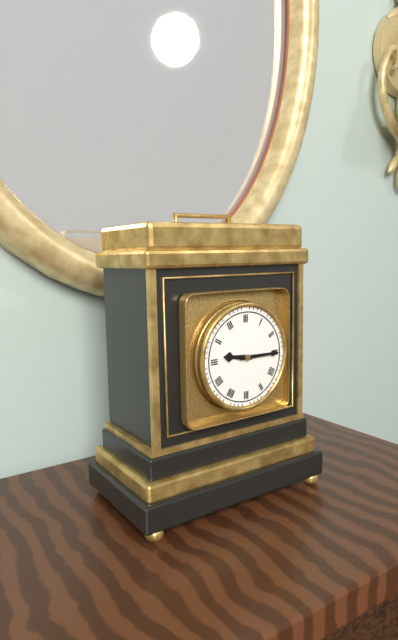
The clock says 9,15
